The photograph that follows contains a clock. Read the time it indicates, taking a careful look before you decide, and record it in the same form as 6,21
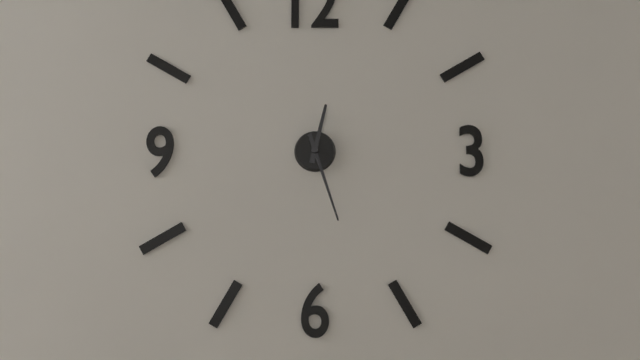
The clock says 12,27
